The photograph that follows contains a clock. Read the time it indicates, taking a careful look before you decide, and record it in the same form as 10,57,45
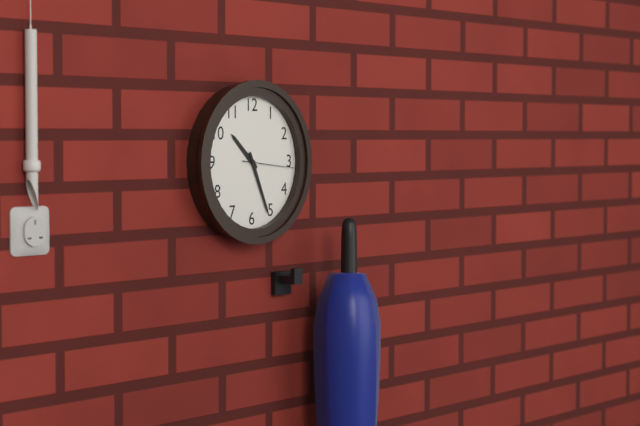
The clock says 10,26,16
